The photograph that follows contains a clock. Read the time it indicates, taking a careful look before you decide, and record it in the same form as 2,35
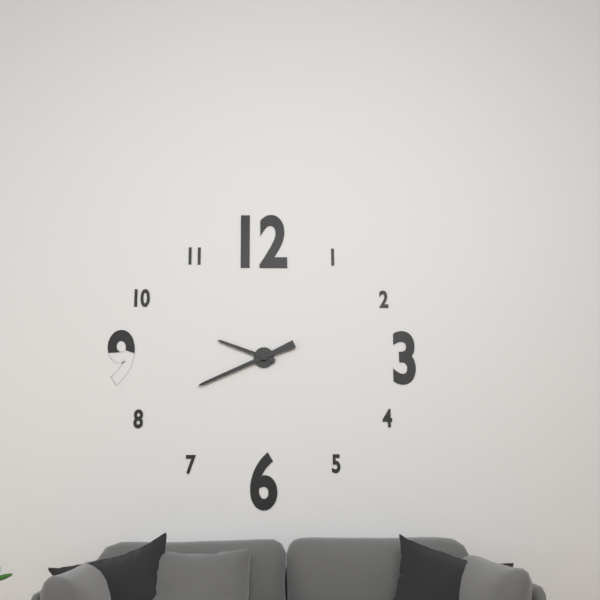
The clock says 9,41
